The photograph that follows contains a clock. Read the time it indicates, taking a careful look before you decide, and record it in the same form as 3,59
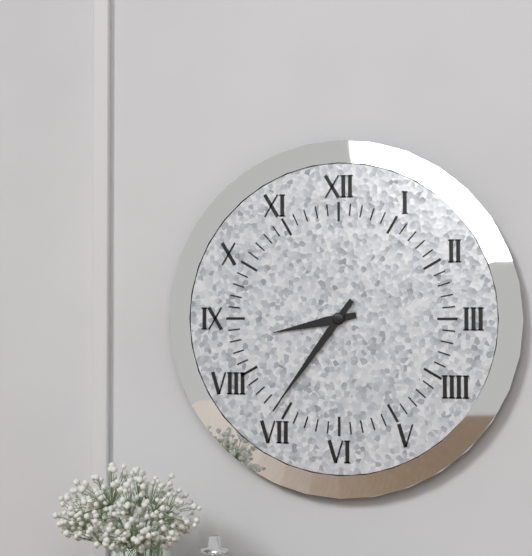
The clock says 8,36
